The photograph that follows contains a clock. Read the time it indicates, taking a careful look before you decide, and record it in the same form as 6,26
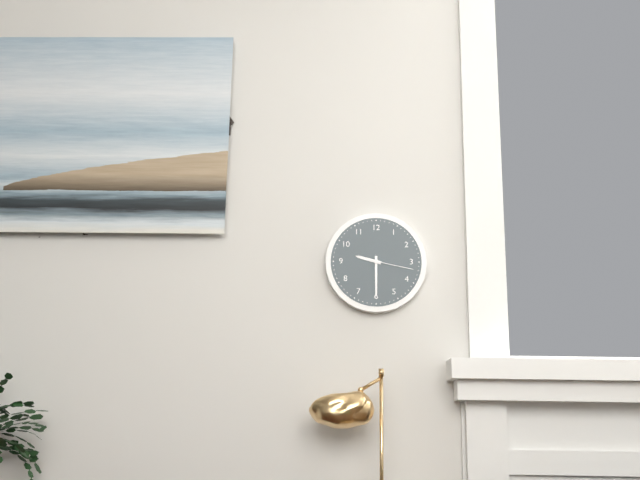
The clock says 9,30
